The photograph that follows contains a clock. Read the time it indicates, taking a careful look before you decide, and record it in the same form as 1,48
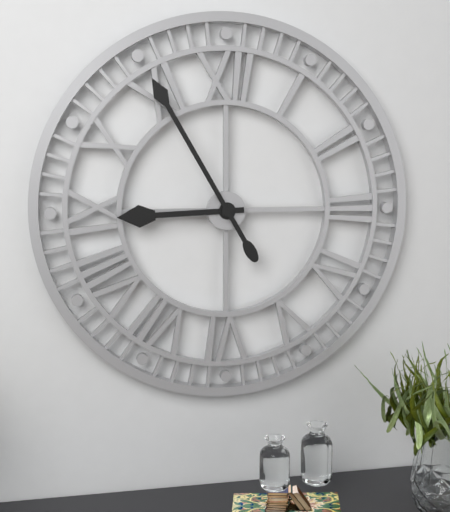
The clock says 8,55
